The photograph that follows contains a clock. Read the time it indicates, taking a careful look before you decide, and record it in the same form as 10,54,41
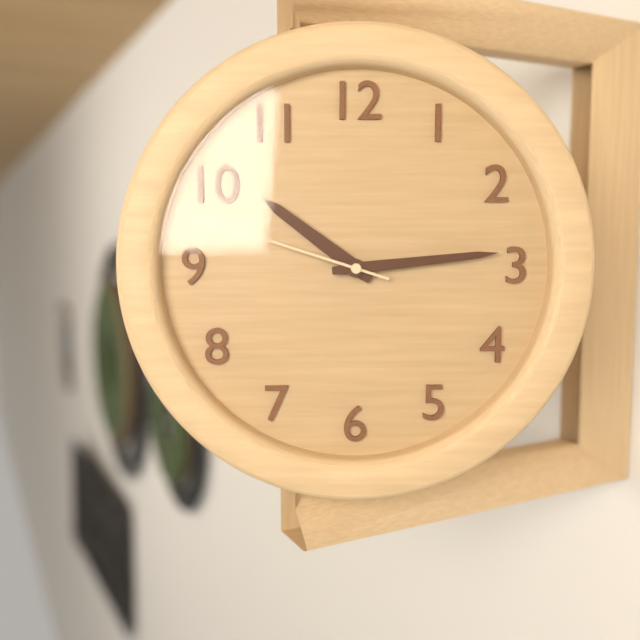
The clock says 10,14,48
